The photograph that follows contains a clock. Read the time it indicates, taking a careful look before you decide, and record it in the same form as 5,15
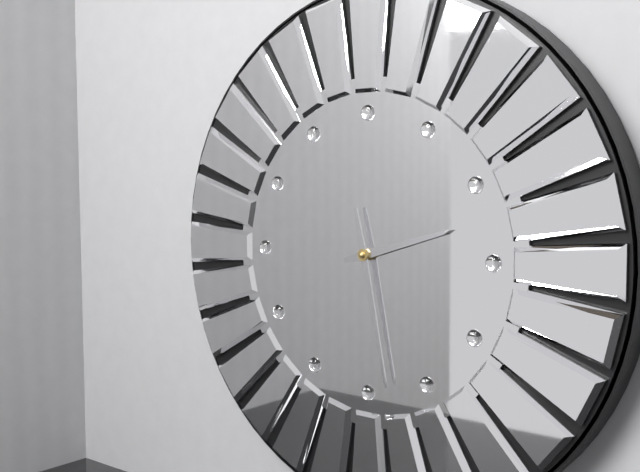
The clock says 2,28
